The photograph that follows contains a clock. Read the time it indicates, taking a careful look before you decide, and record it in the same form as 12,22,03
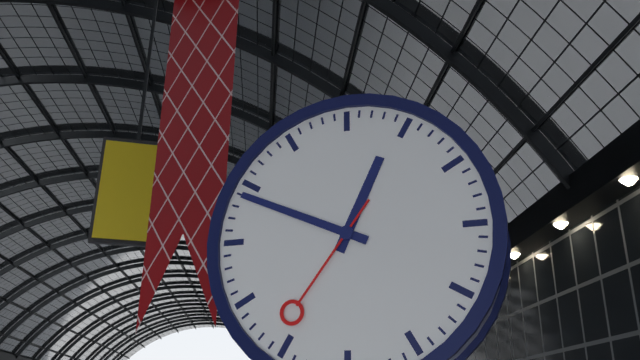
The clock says 12,49,36
